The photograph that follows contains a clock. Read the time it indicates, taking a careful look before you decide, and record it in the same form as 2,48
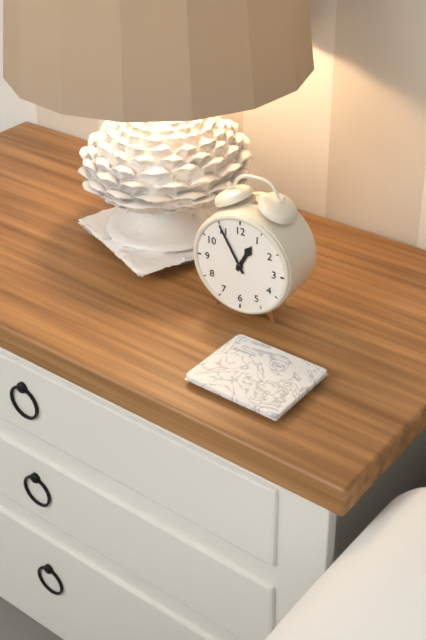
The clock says 12,55
